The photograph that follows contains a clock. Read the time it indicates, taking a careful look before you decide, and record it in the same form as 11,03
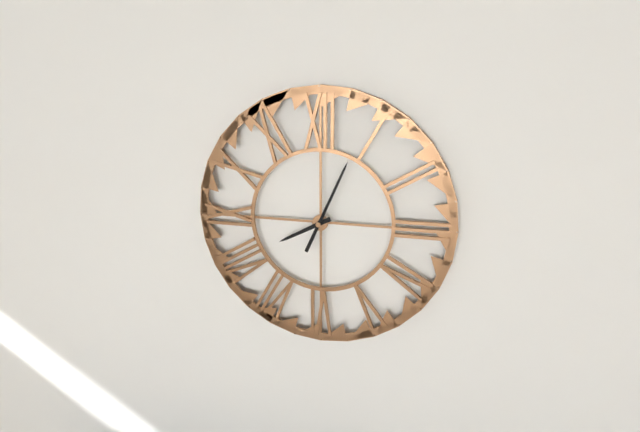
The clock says 8,04
